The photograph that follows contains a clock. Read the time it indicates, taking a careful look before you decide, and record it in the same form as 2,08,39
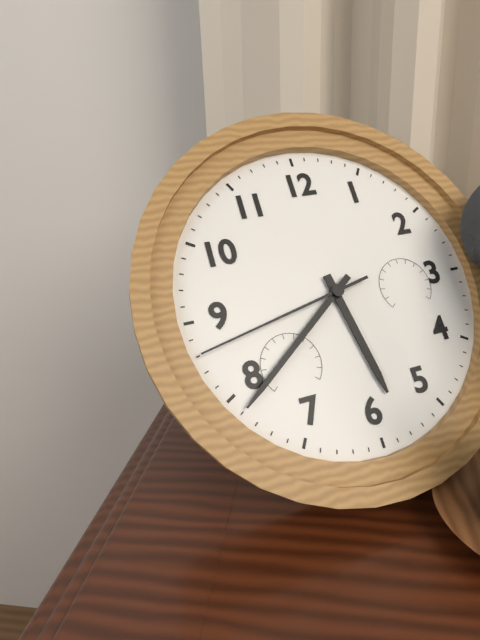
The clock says 5,39,43
